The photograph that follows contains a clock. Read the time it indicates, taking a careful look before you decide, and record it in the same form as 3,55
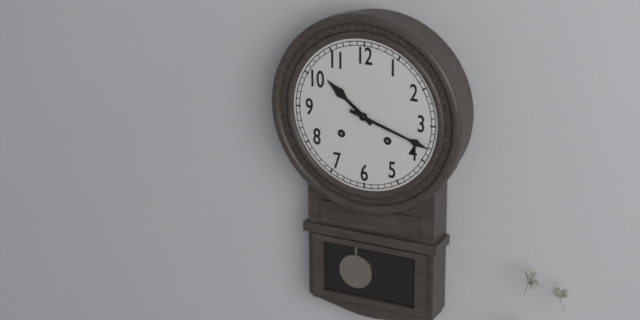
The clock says 10,18
